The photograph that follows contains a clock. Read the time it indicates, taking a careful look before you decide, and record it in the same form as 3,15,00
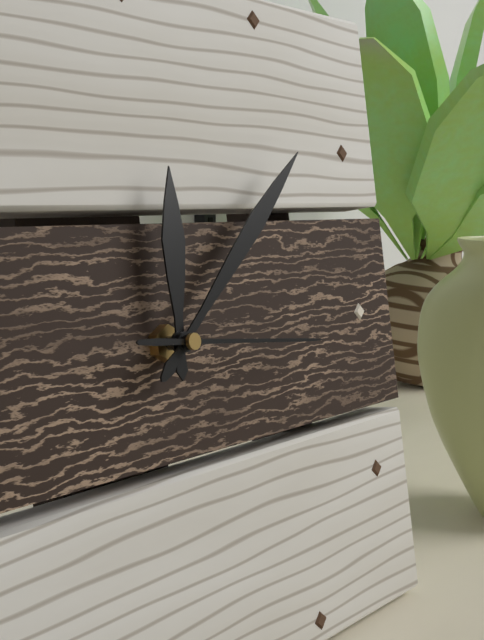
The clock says 12,08,16
